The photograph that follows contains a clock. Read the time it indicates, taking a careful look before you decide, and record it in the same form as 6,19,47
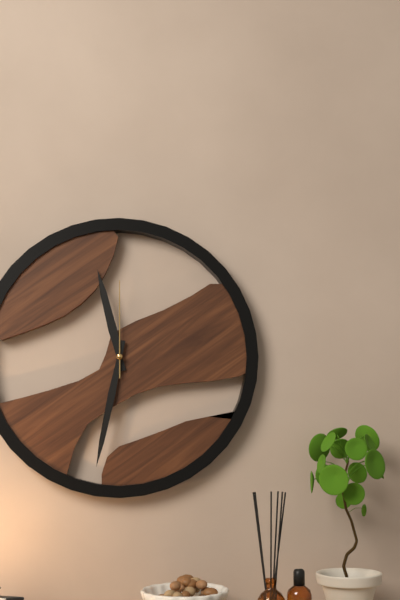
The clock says 11,32,00
